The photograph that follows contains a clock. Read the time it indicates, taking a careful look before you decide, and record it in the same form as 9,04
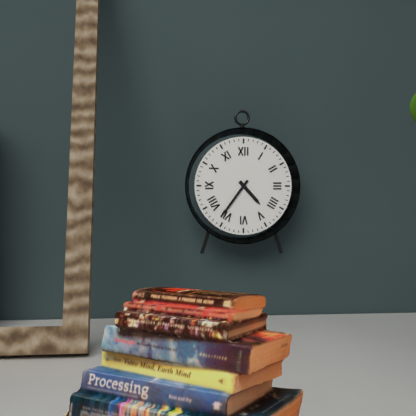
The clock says 4,36
